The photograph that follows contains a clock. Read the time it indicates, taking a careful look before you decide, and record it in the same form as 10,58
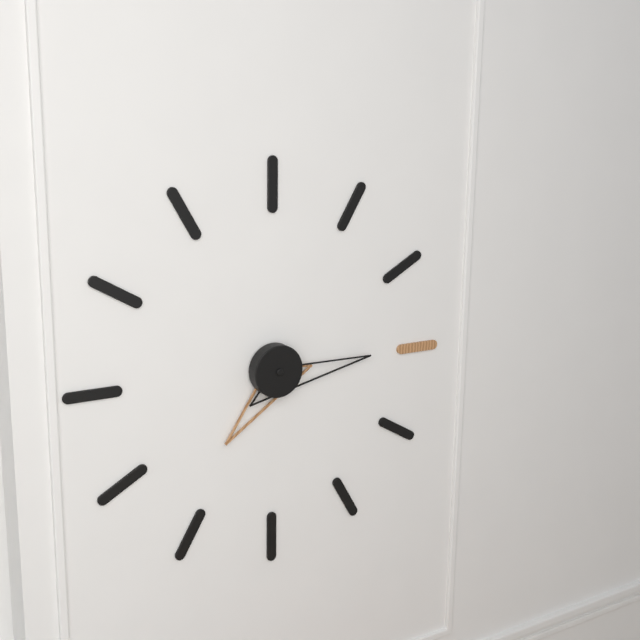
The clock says 7,15
